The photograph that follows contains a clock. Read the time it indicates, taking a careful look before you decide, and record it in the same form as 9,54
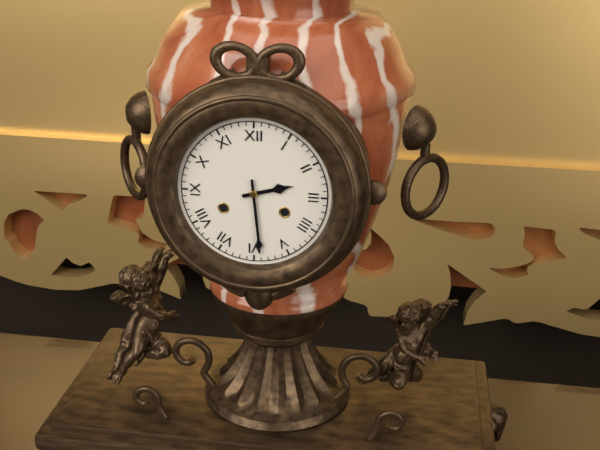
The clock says 2,29
